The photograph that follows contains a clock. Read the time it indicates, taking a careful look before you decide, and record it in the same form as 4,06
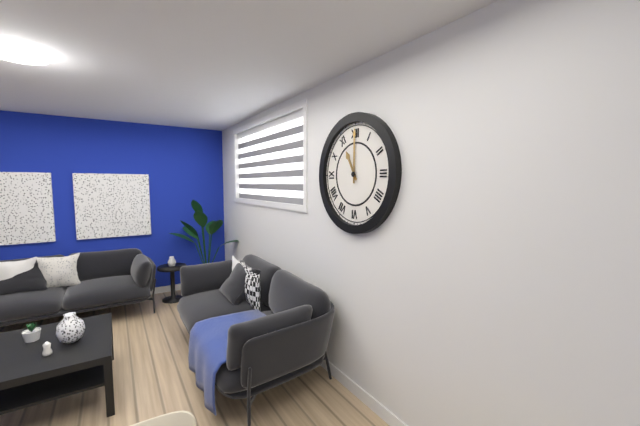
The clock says 11,00
